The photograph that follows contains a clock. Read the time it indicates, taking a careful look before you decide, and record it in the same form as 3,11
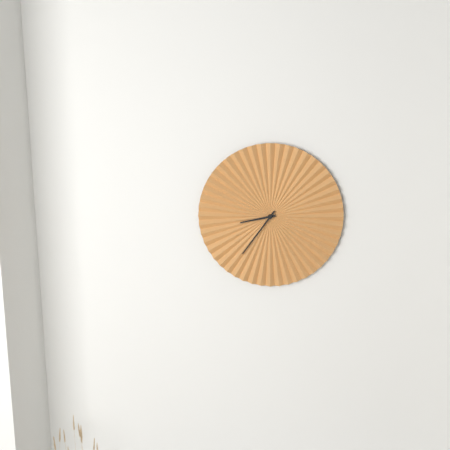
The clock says 8,36
